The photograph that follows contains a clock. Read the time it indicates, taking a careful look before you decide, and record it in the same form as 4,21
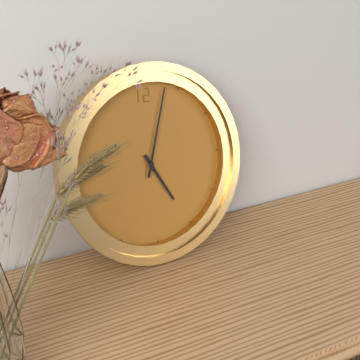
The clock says 5,03
